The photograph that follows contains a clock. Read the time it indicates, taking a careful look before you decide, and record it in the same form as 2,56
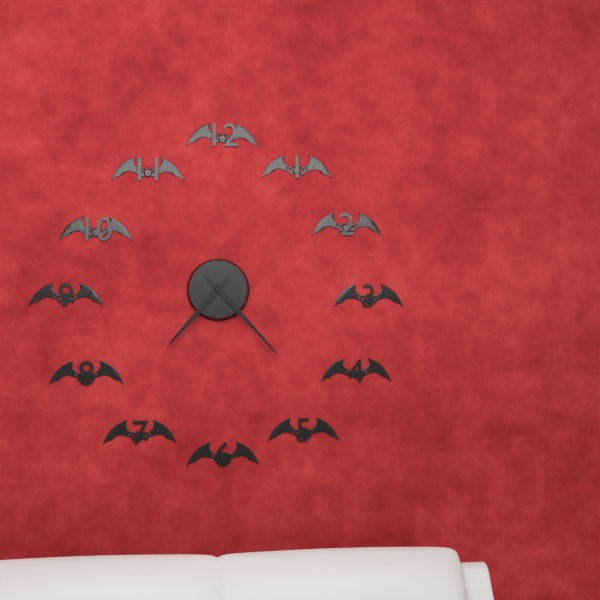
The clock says 7,23
